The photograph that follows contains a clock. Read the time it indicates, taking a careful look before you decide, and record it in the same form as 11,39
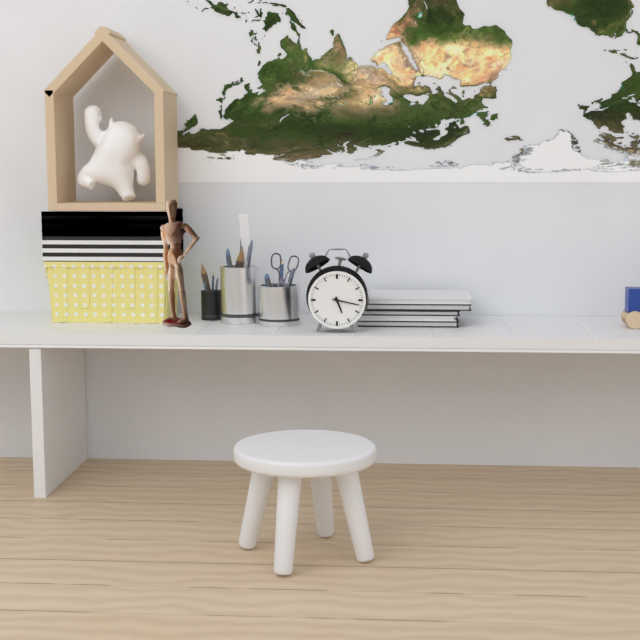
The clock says 5,17
